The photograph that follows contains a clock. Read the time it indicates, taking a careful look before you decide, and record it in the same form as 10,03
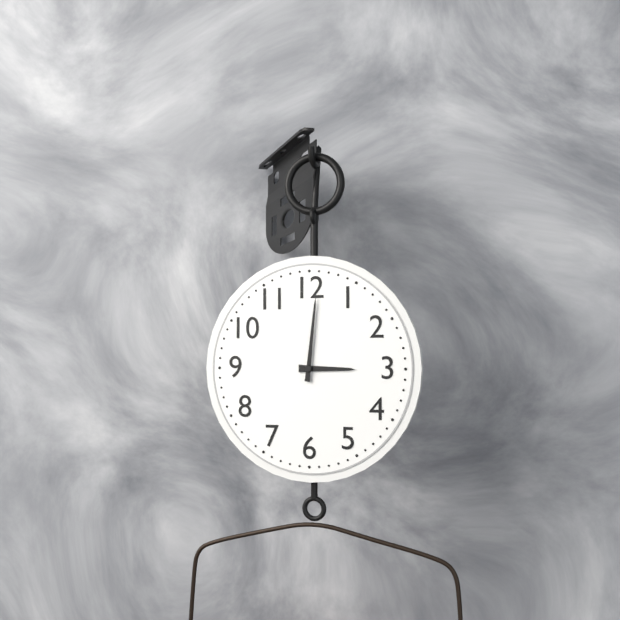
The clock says 3,01
